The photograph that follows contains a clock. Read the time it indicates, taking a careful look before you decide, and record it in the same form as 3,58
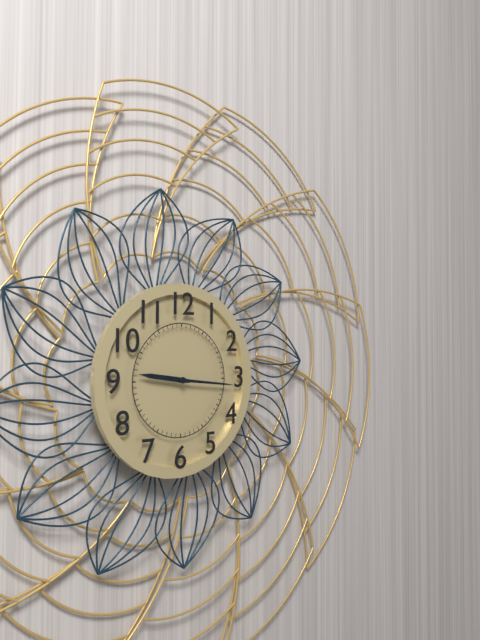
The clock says 9,16
